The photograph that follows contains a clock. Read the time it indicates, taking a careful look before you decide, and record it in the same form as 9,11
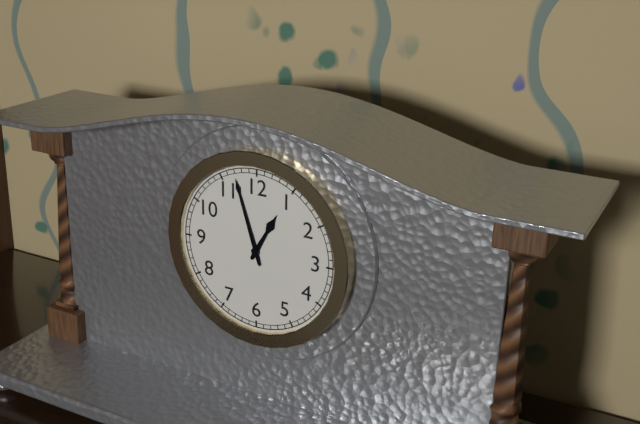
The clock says 12,57
